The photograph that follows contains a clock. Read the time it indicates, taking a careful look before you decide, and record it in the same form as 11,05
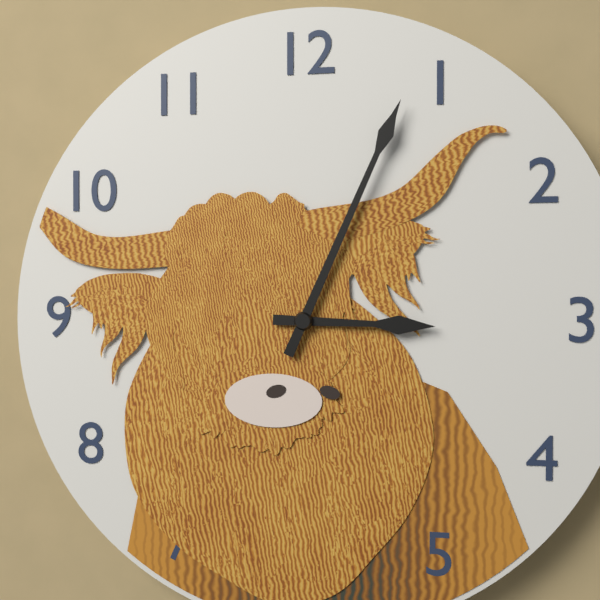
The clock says 3,04
